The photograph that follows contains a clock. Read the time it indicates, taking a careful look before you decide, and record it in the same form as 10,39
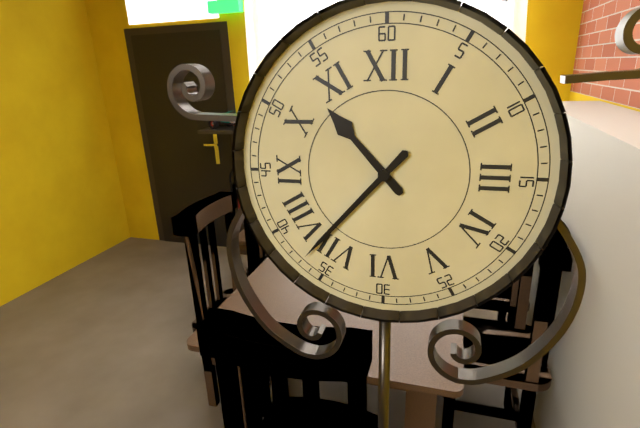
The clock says 10,37
